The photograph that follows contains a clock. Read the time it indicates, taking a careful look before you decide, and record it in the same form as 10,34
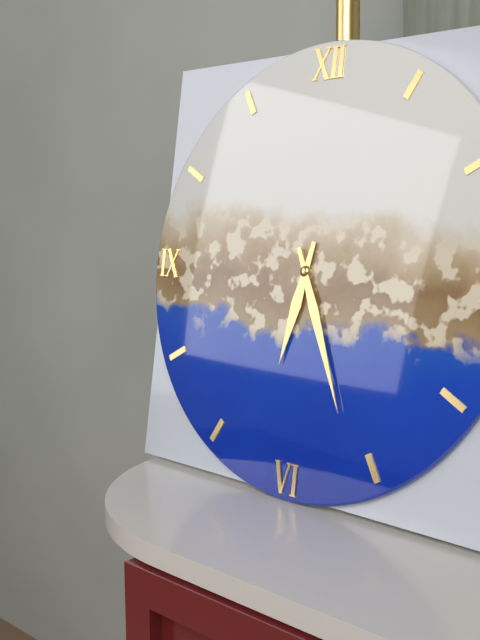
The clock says 6,26
